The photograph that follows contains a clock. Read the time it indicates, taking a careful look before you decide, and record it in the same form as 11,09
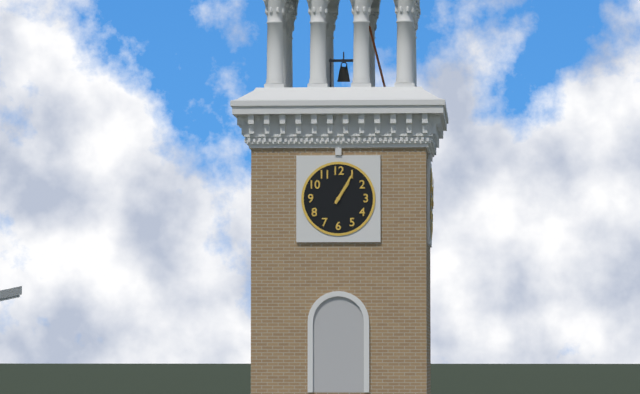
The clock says 1,05
